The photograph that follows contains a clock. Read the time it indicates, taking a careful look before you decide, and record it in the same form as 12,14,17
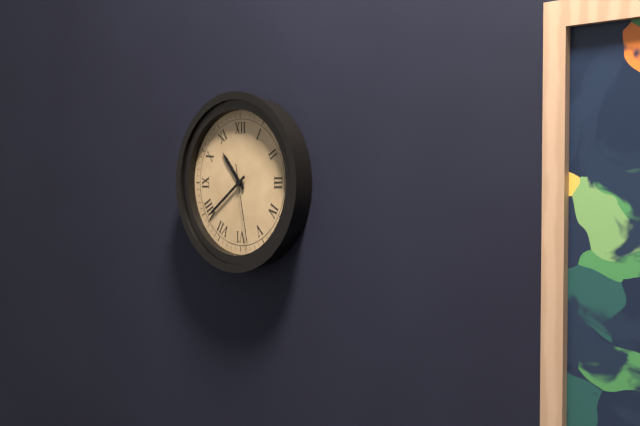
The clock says 10,39,28
